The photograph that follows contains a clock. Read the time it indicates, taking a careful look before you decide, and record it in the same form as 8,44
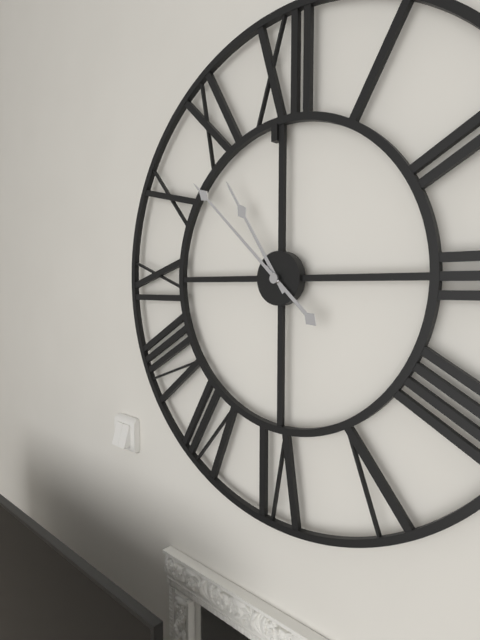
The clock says 10,52
